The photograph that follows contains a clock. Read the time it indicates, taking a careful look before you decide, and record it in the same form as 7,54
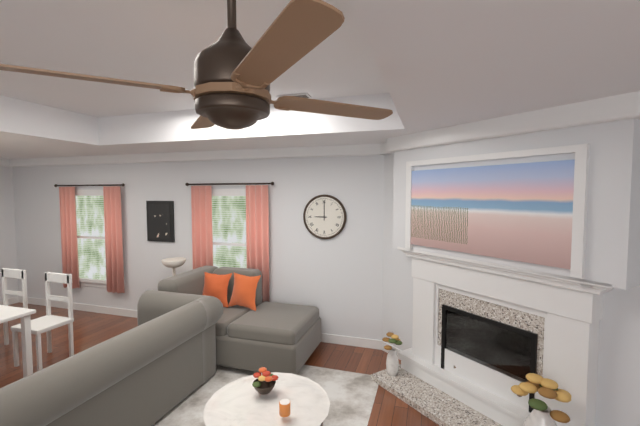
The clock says 9,00
